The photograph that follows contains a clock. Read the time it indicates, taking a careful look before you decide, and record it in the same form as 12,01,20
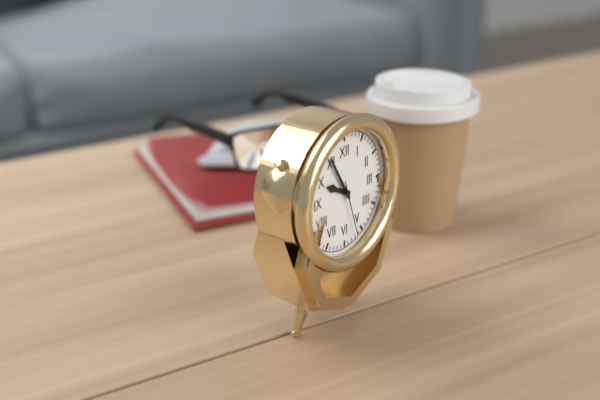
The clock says 9,55,27
